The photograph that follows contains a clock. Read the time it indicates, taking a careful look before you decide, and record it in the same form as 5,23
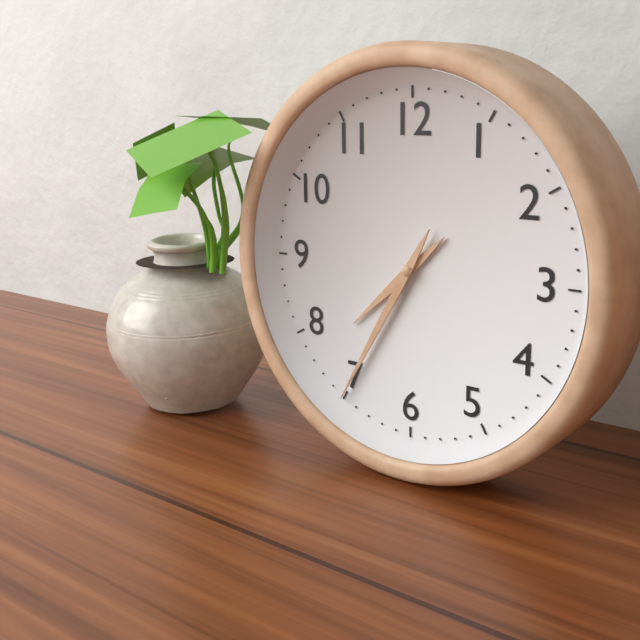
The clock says 7,35
